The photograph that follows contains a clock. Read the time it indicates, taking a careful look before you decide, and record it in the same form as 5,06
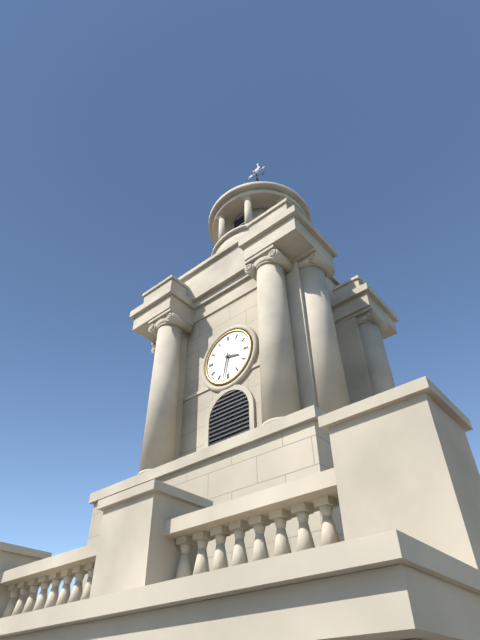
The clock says 3,32
